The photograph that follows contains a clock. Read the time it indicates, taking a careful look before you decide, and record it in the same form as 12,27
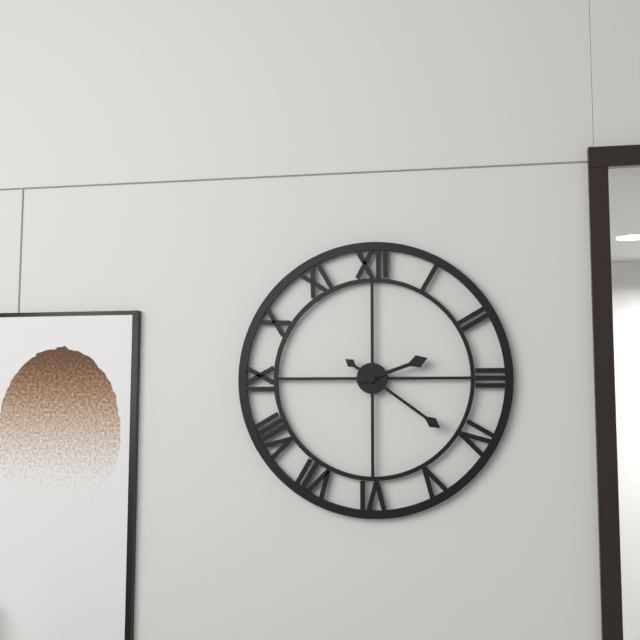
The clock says 2,21
